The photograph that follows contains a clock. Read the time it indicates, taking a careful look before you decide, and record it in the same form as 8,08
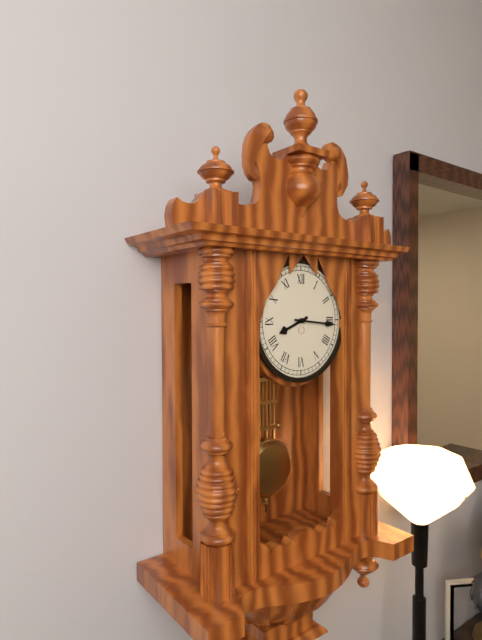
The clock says 8,16
